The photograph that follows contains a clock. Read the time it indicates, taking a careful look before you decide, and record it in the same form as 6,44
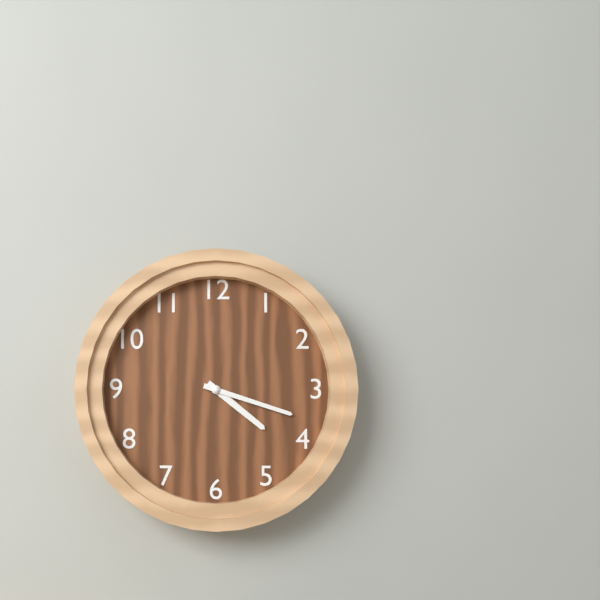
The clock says 4,18
